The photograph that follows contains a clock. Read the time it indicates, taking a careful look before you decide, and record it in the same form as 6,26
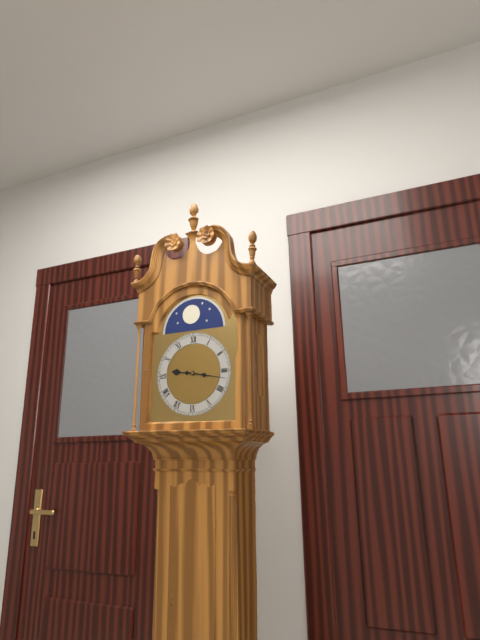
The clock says 9,17
